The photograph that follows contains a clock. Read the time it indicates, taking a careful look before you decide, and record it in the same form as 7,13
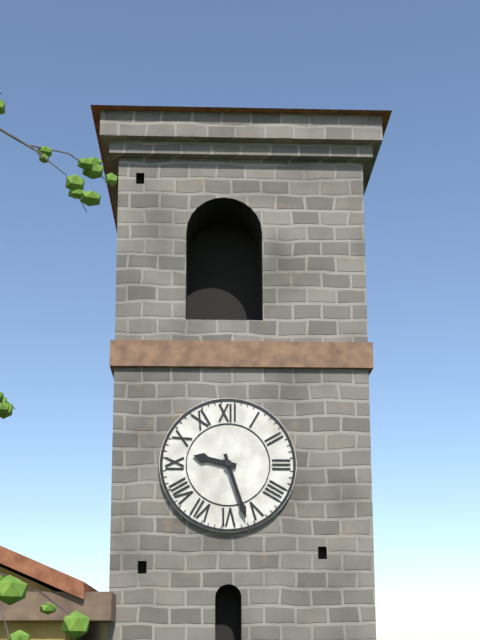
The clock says 9,27
